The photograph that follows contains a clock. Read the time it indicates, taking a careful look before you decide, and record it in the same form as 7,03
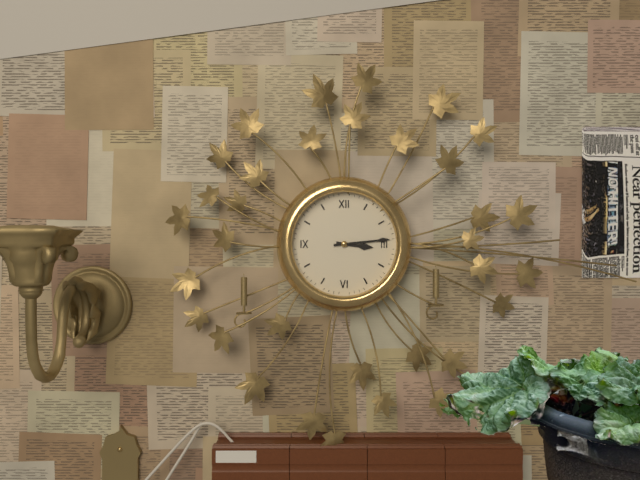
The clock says 3,14
